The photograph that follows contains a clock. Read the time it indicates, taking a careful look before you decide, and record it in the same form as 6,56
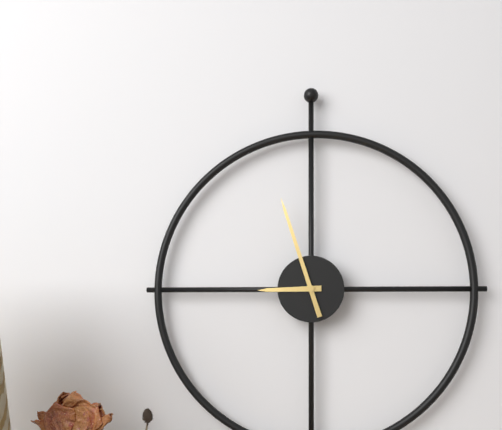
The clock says 8,57
